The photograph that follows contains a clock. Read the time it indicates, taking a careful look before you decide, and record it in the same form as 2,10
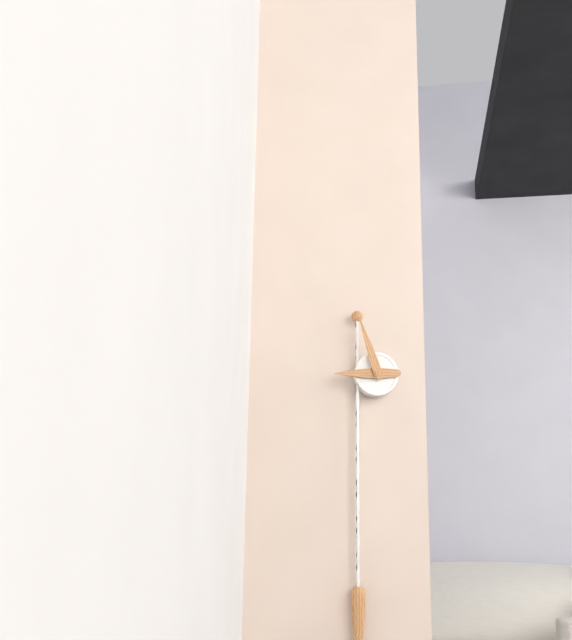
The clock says 8,57
